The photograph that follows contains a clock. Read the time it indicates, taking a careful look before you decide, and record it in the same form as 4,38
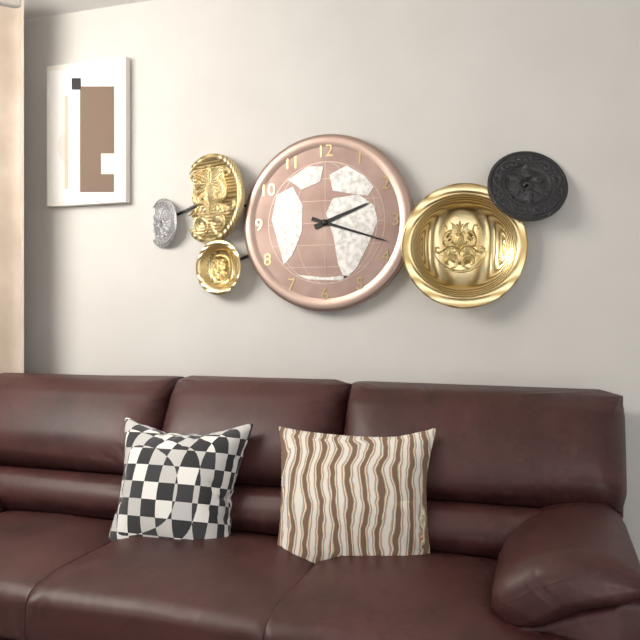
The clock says 2,18
